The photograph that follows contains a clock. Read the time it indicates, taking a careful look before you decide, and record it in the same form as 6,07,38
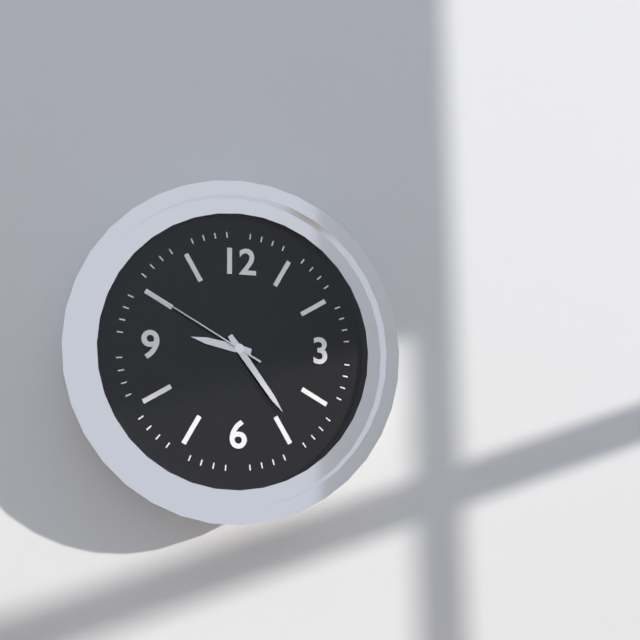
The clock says 9,24,50
